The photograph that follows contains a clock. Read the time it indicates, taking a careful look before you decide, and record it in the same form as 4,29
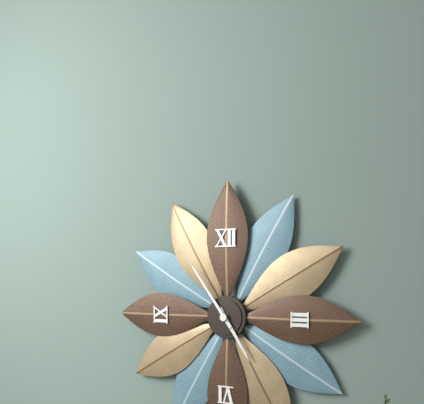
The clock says 4,54
